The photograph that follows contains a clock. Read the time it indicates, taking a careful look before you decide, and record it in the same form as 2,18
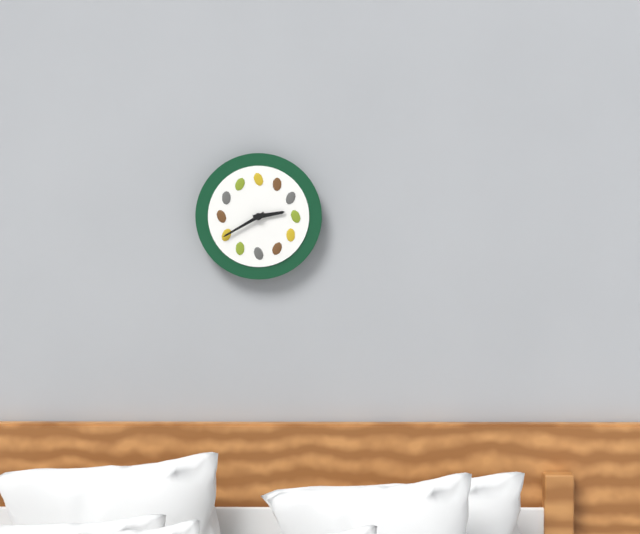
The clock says 2,40
